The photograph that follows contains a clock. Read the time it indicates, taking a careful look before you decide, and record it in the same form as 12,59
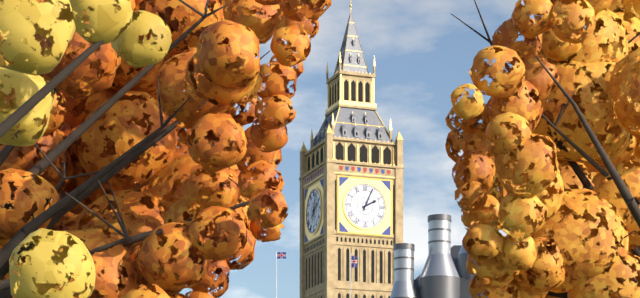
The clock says 2,04
